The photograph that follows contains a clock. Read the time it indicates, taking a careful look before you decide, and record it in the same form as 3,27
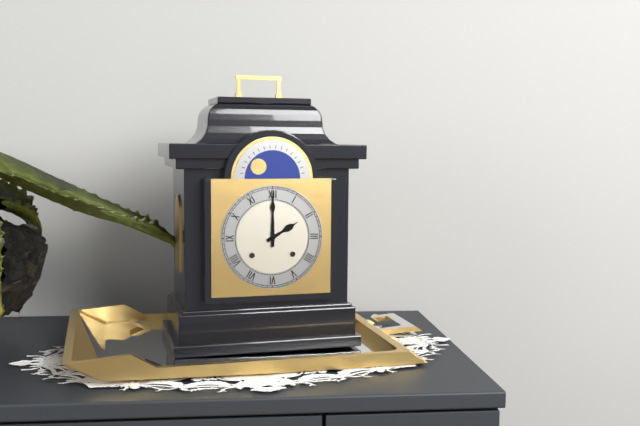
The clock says 2,00
